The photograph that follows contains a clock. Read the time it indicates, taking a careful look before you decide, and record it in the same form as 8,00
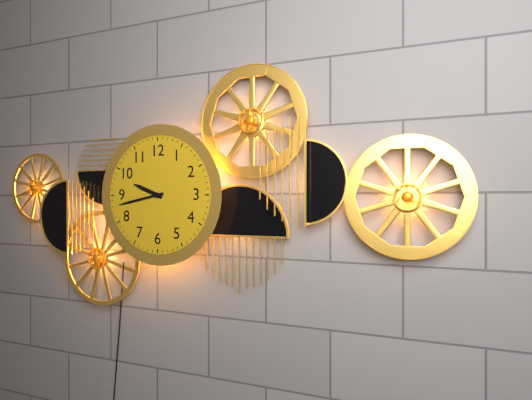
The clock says 9,43
